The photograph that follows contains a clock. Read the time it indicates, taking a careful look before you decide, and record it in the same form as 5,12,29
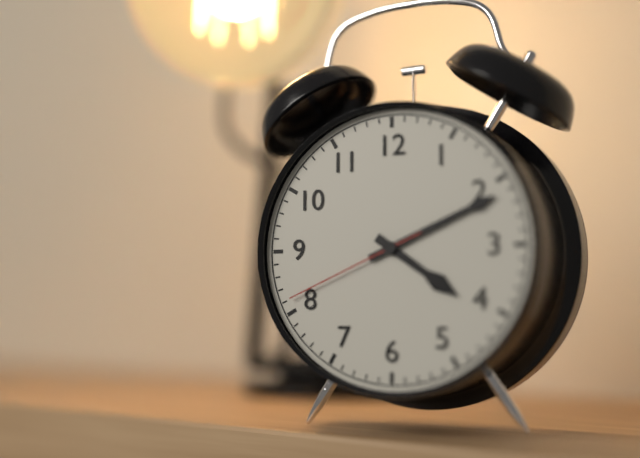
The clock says 4,11,41
